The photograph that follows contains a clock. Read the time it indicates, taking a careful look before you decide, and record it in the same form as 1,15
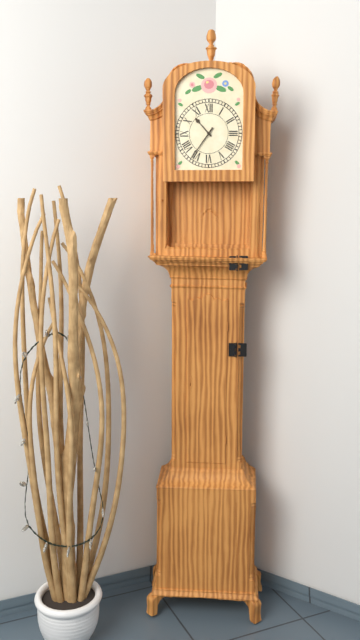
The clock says 10,36
